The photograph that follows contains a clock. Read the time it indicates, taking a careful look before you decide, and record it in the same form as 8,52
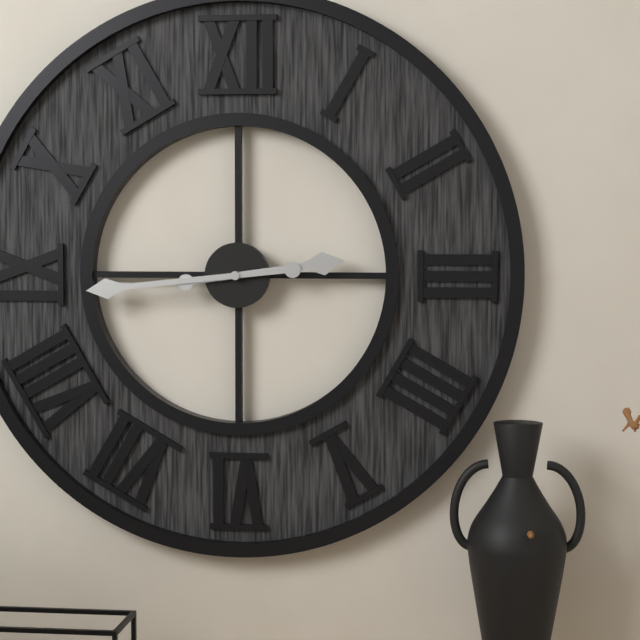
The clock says 2,44
